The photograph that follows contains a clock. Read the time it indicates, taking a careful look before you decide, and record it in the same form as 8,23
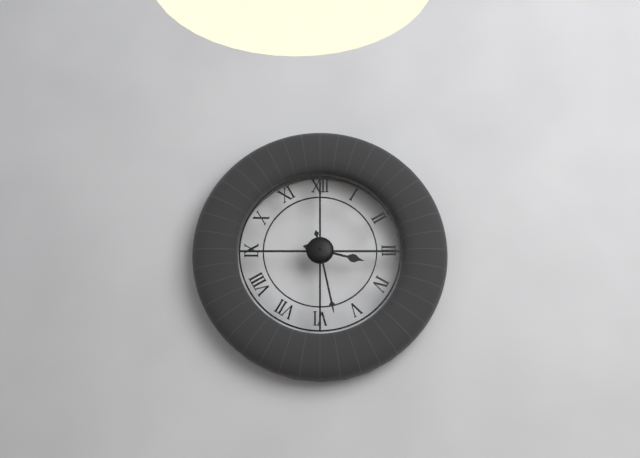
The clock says 3,28
